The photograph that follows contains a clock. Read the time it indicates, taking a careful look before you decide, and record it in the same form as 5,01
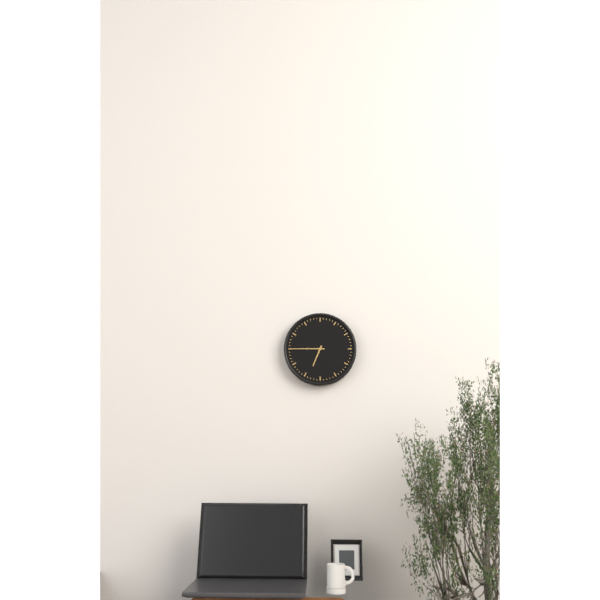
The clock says 6,45
